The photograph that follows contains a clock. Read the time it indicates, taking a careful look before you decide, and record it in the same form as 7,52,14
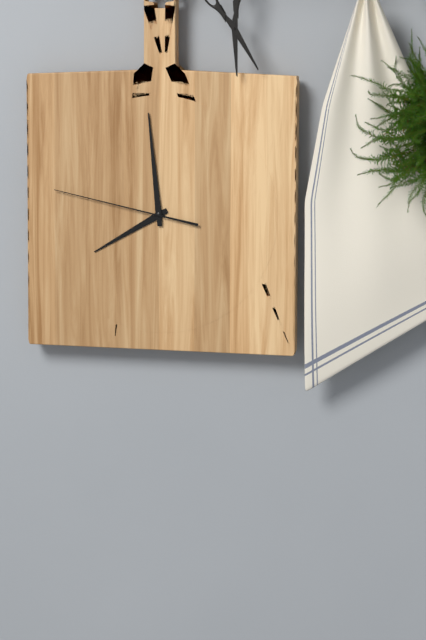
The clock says 7,59,47
